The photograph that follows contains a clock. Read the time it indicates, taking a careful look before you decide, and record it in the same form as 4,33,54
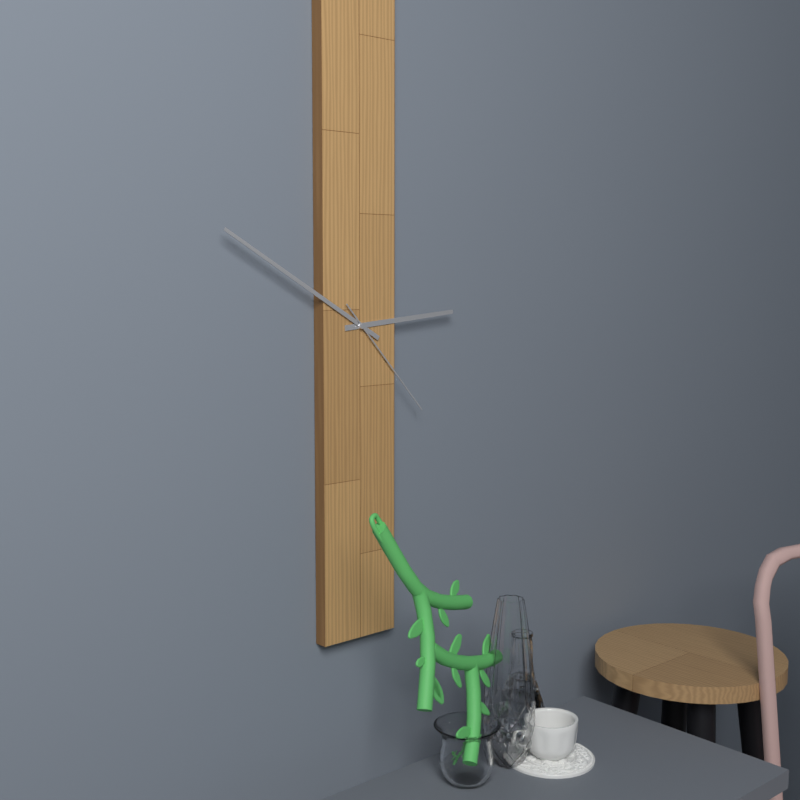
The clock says 2,50,23
